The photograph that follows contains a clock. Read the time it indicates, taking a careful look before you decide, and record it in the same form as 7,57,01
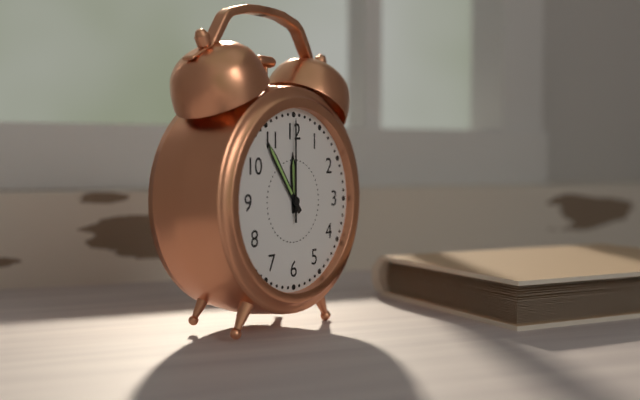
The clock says 11,54,00
